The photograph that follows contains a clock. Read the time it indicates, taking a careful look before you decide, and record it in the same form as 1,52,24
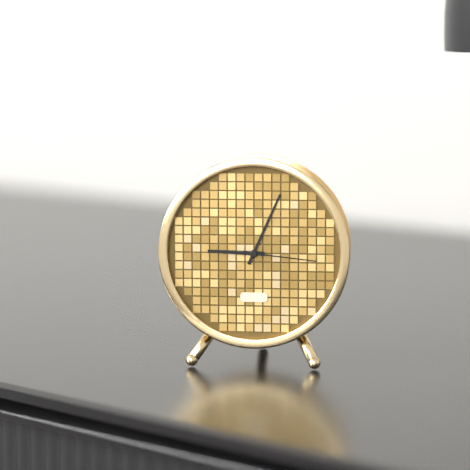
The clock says 9,04,16
